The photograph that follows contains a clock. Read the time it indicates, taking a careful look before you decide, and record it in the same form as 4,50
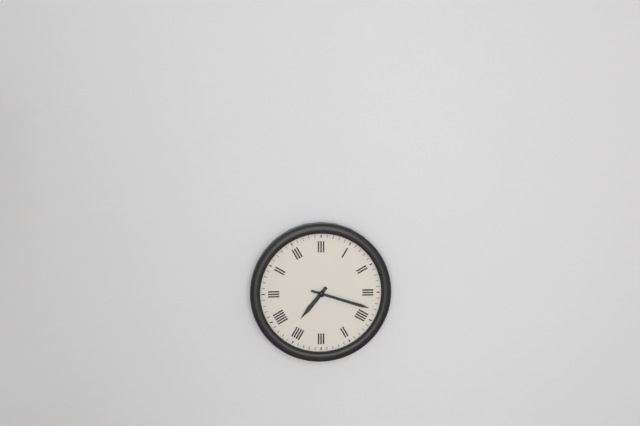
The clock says 7,18
